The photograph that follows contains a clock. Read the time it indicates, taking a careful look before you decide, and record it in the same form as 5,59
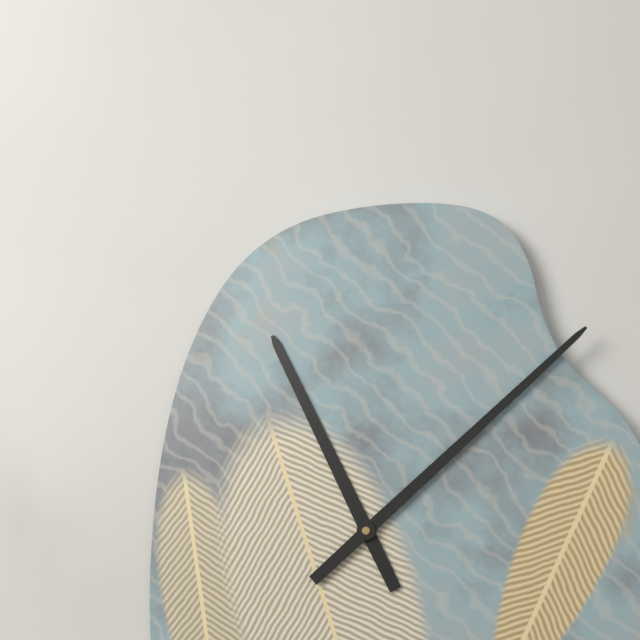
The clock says 11,08
